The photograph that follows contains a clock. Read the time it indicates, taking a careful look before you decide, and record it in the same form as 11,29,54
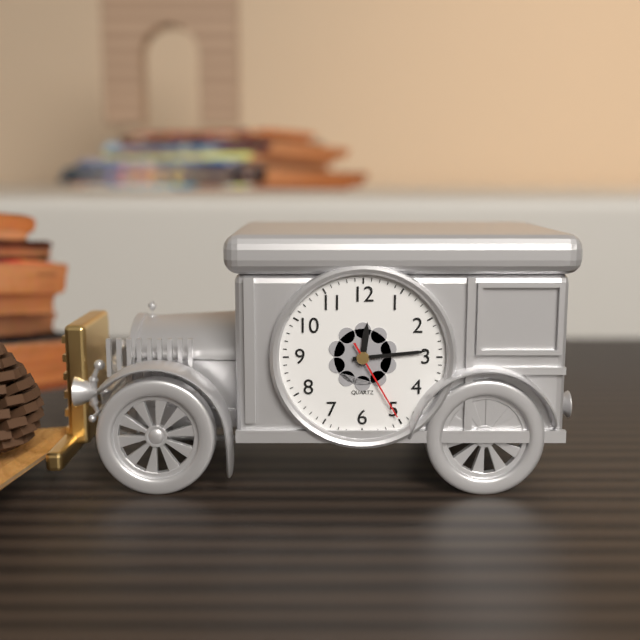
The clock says 12,14,25
